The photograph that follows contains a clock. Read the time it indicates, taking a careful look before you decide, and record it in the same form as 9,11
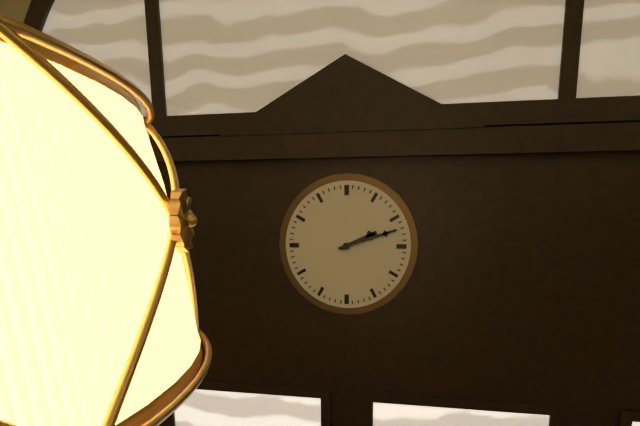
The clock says 2,12
